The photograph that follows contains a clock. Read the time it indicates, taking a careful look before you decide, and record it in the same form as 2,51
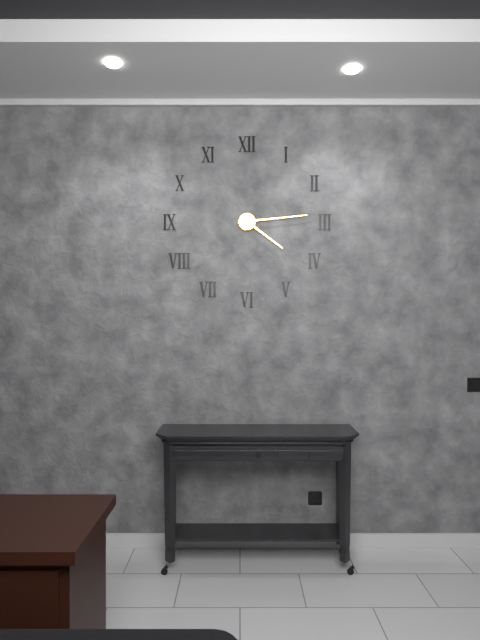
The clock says 4,14
